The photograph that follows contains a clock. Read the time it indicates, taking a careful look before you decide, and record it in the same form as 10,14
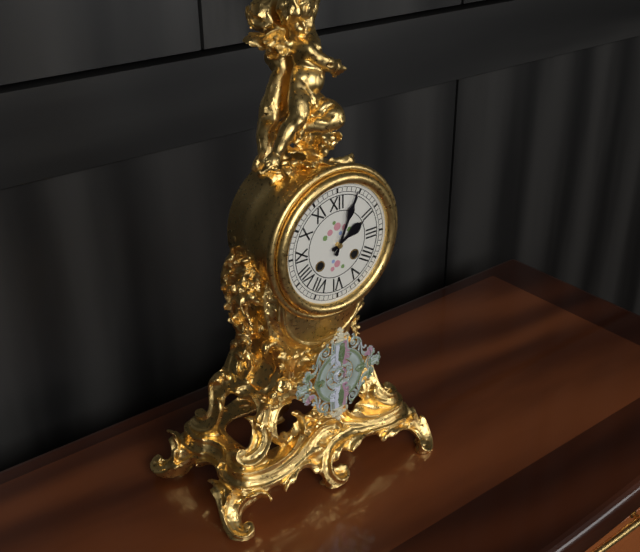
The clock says 2,04
